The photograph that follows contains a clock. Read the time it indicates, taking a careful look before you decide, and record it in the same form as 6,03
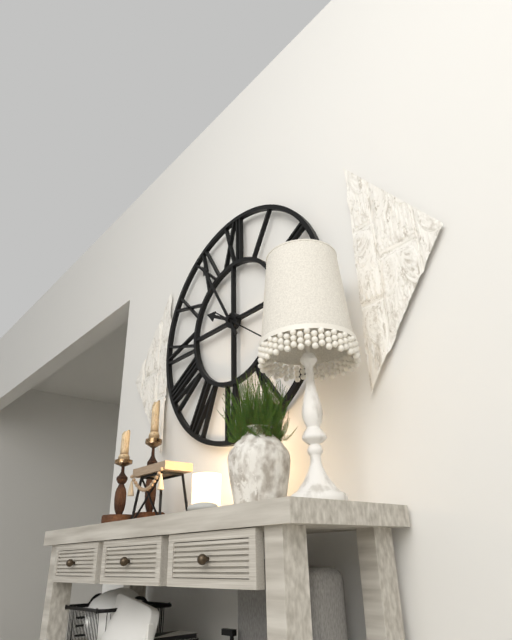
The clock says 9,55
